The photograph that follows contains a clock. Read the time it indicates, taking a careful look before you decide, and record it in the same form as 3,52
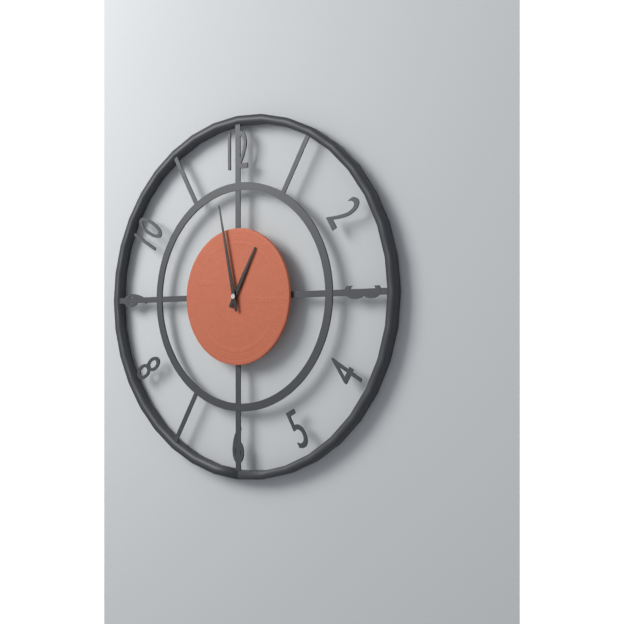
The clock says 12,58
